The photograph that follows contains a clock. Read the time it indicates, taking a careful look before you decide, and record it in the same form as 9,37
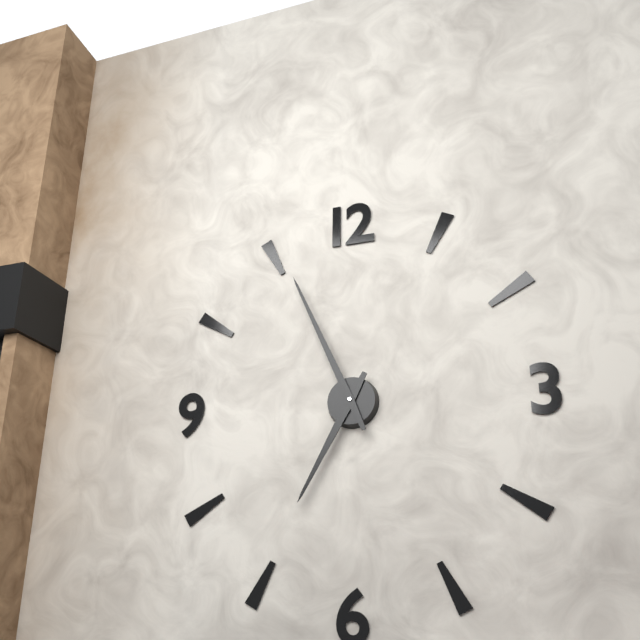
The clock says 6,56
